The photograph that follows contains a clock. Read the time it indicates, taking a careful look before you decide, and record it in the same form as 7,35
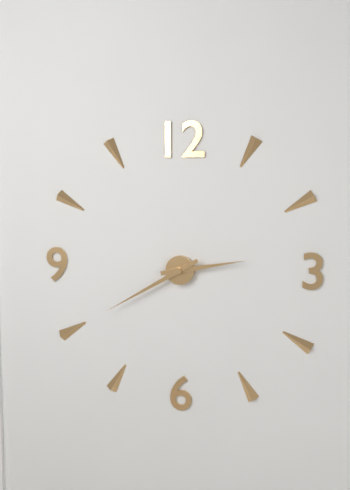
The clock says 2,40
